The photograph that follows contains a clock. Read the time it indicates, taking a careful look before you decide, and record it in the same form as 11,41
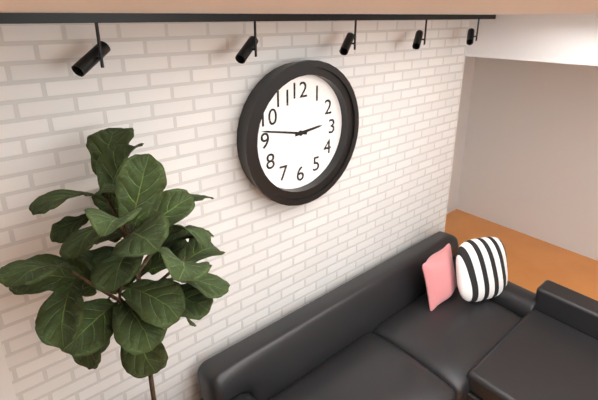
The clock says 2,47
